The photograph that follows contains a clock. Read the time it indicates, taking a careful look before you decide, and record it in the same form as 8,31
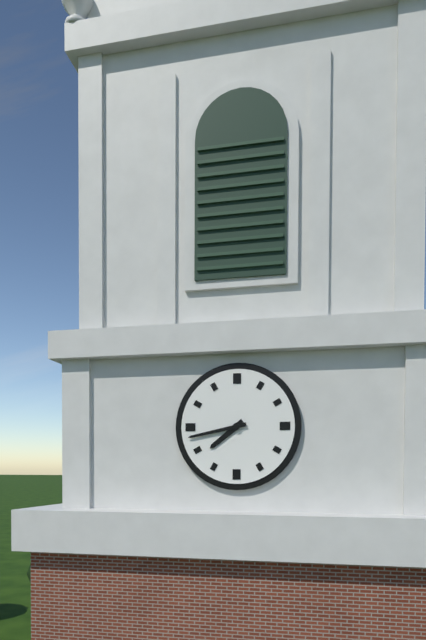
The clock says 7,43
